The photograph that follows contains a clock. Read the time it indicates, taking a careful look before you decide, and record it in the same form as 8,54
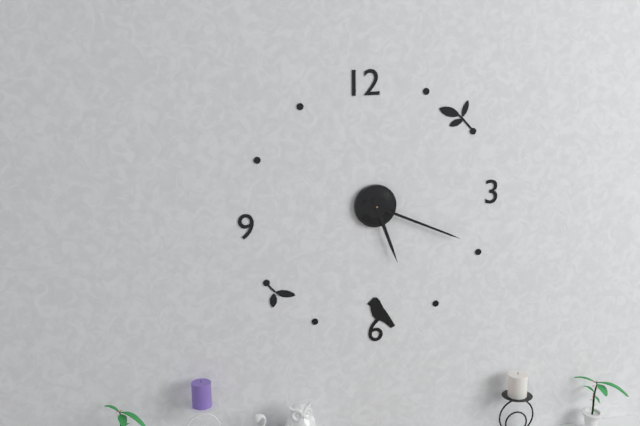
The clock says 5,19
